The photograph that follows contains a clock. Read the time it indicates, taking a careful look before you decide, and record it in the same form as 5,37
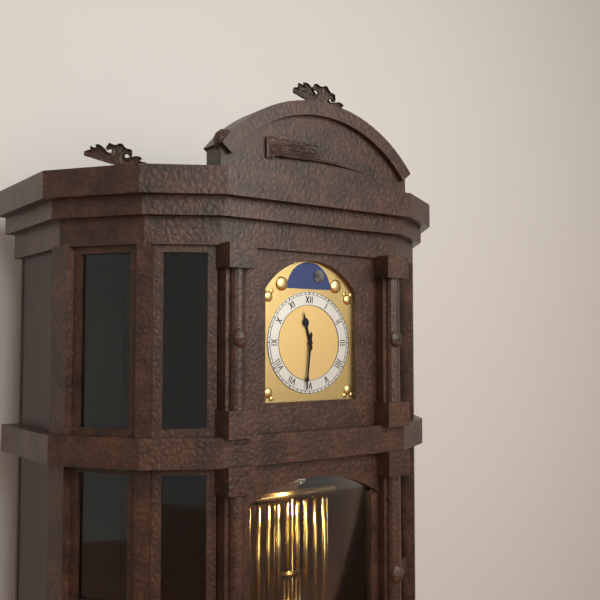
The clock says 11,31
